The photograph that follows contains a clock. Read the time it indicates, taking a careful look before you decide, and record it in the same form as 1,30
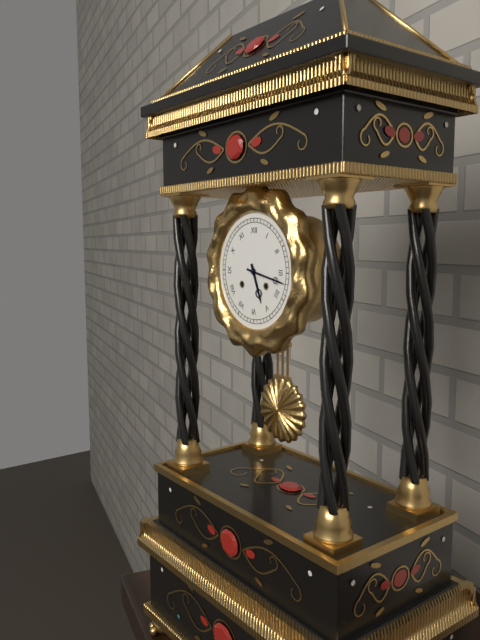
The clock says 5,17
